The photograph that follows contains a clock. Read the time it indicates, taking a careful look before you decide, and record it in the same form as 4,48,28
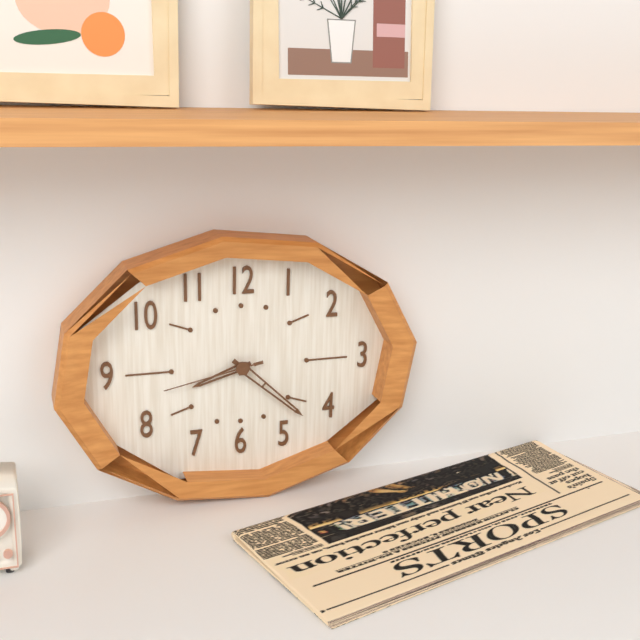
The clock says 8,22,43
